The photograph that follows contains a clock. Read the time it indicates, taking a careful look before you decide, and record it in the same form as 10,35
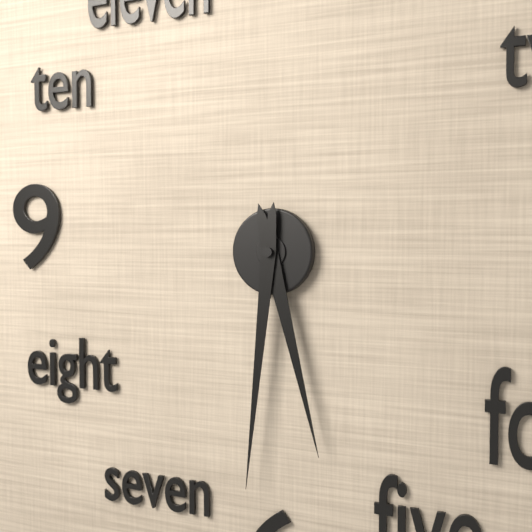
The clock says 5,31
